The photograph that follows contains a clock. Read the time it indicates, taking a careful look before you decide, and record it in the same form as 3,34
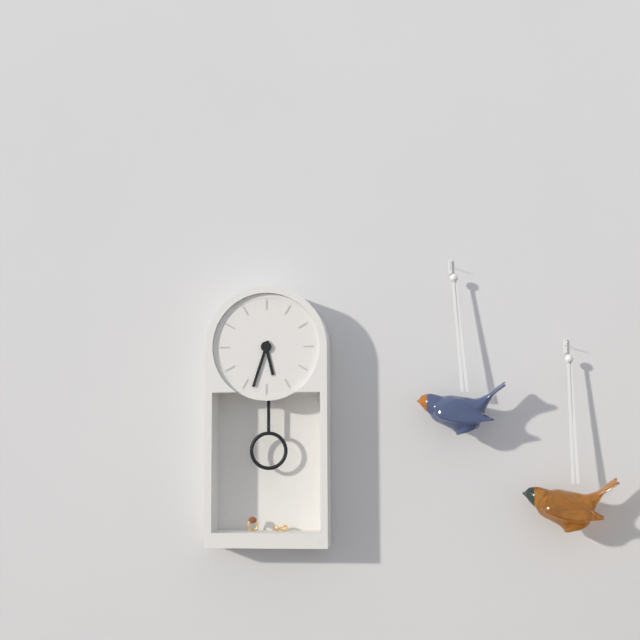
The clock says 5,33
